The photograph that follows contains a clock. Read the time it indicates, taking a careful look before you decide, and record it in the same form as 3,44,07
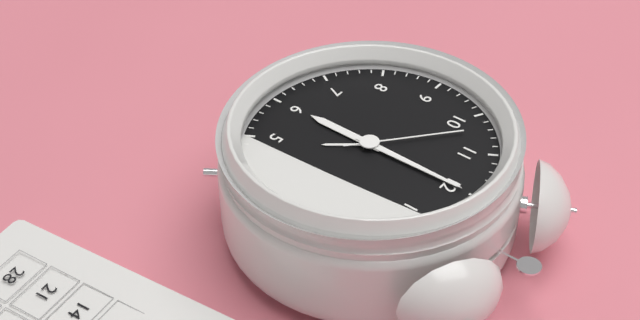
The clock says 6,00,52
